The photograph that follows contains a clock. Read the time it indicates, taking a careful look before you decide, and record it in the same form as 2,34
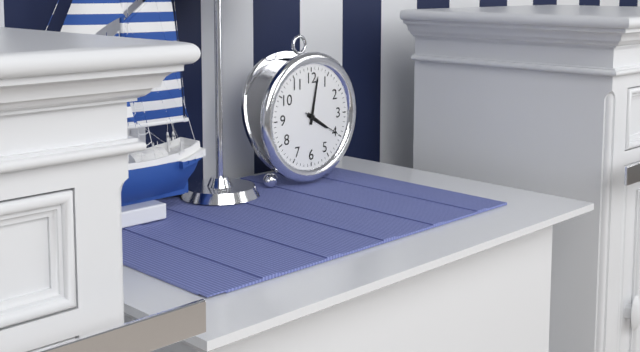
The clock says 4,02
